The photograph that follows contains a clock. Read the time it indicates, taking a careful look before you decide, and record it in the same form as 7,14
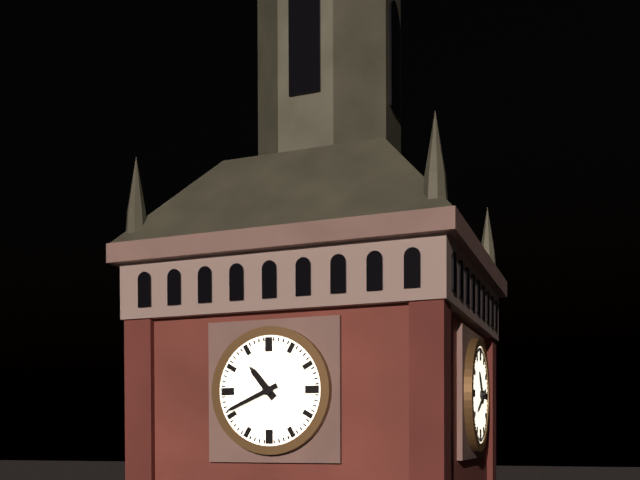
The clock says 10,41
